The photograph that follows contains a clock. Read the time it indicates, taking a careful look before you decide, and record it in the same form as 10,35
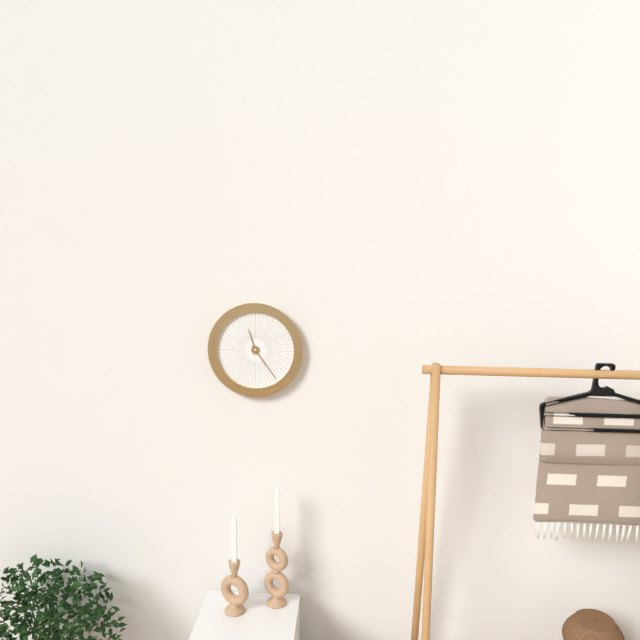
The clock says 11,24
